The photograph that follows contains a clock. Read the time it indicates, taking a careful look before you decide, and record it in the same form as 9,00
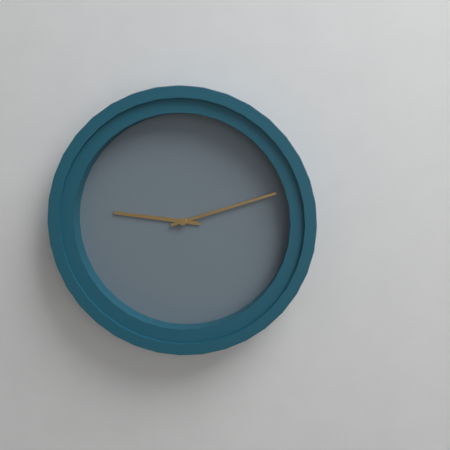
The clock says 9,12
